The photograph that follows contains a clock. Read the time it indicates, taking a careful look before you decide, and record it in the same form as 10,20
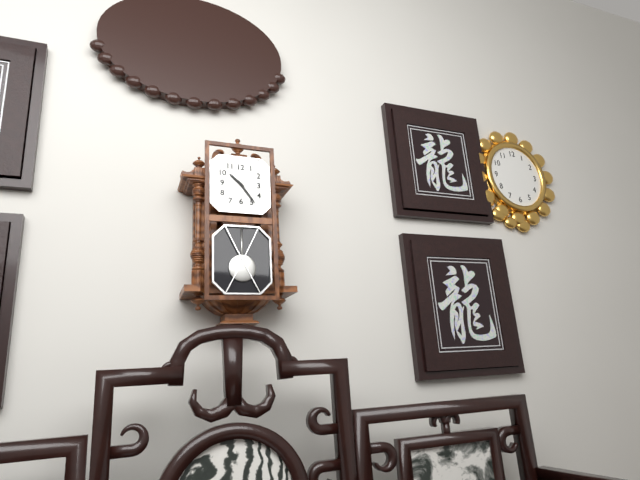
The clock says 10,24
